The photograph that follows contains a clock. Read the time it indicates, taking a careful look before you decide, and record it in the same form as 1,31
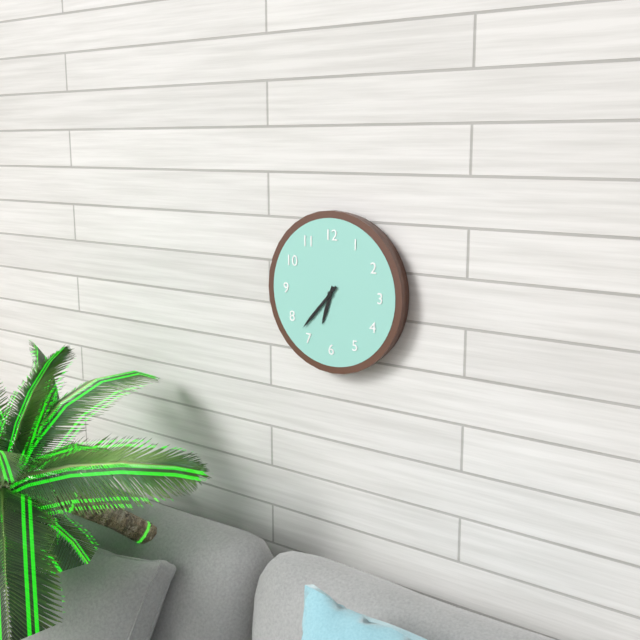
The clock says 6,37
